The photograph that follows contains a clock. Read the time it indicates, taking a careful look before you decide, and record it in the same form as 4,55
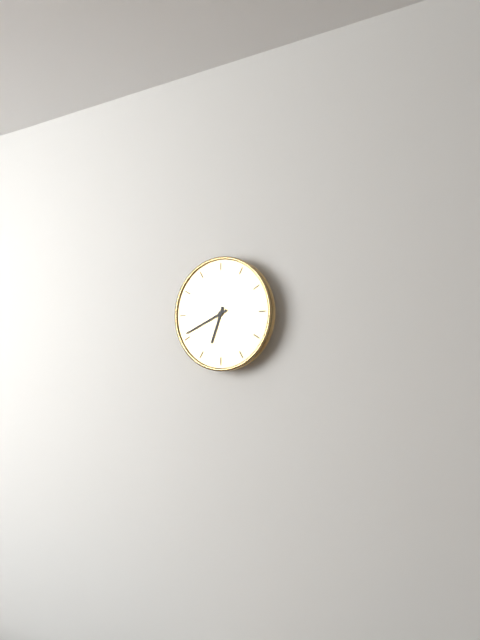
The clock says 6,41
